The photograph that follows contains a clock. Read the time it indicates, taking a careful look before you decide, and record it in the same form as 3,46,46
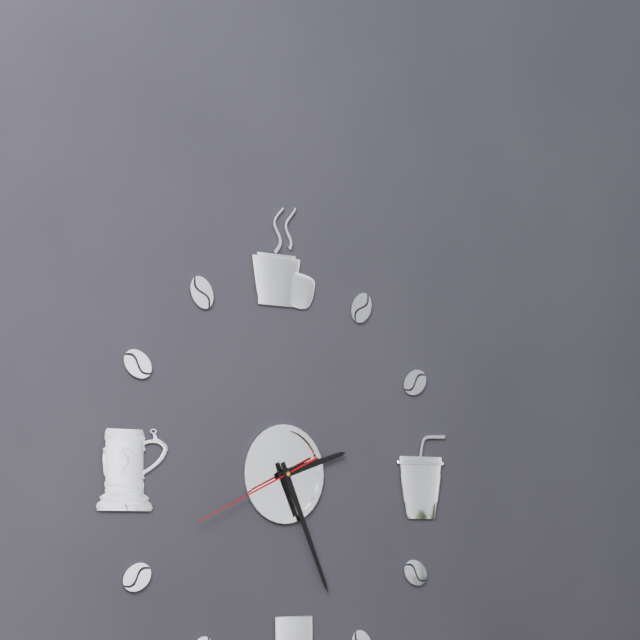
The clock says 2,26,41
